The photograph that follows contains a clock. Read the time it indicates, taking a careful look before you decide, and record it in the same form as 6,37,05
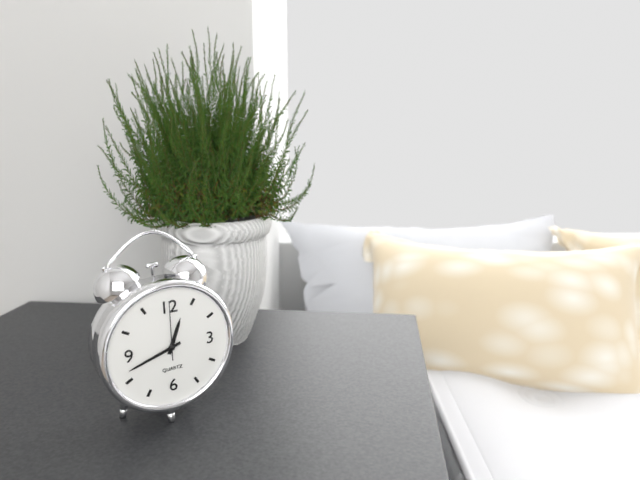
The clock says 12,42,00
